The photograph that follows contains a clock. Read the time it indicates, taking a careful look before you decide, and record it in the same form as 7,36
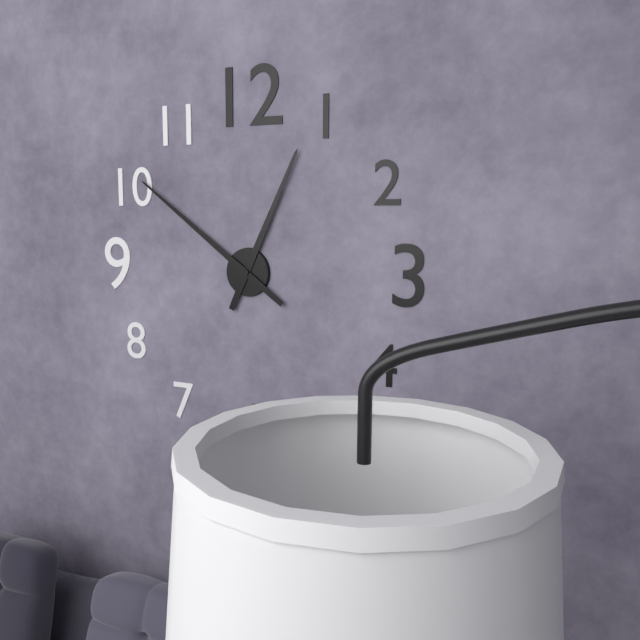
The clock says 12,51
